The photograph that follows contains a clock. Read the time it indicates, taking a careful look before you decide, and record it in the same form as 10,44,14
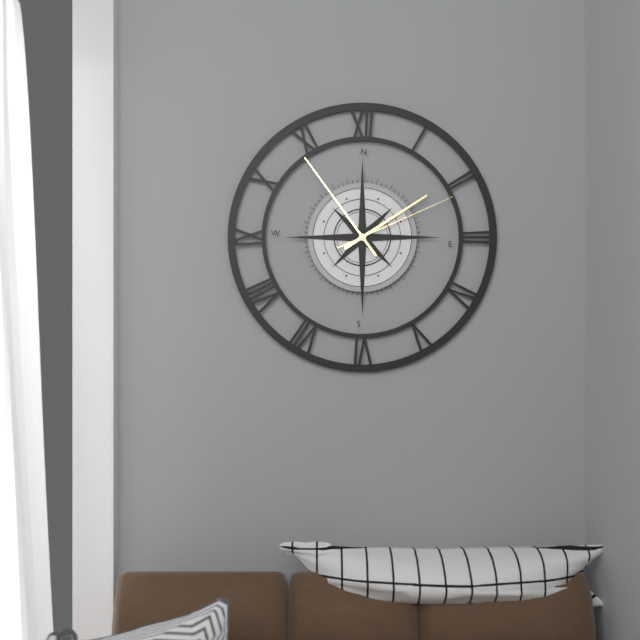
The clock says 1,54,11
